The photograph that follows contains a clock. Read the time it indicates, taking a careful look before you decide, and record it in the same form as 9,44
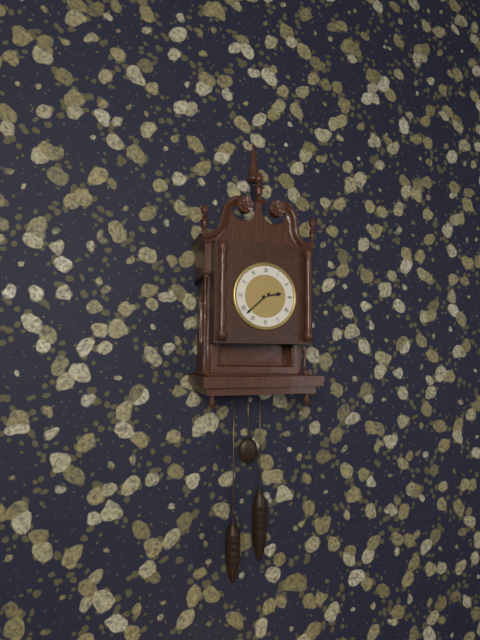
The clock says 2,38
